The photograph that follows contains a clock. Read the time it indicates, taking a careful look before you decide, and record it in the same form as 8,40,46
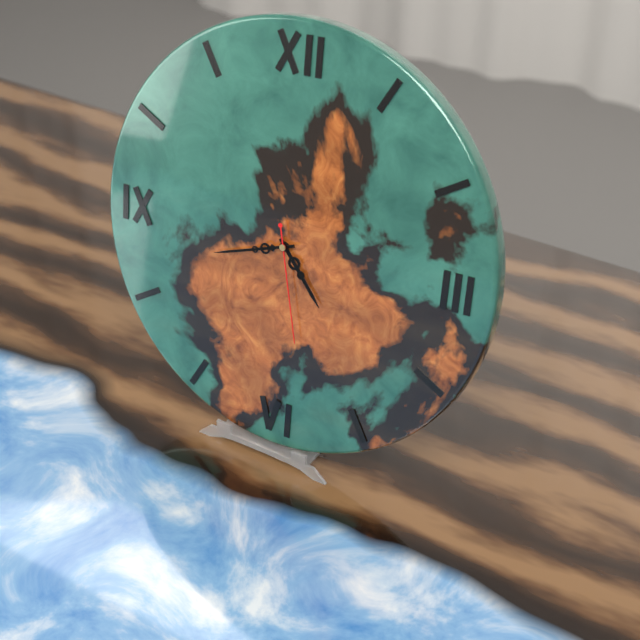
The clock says 4,42,28
